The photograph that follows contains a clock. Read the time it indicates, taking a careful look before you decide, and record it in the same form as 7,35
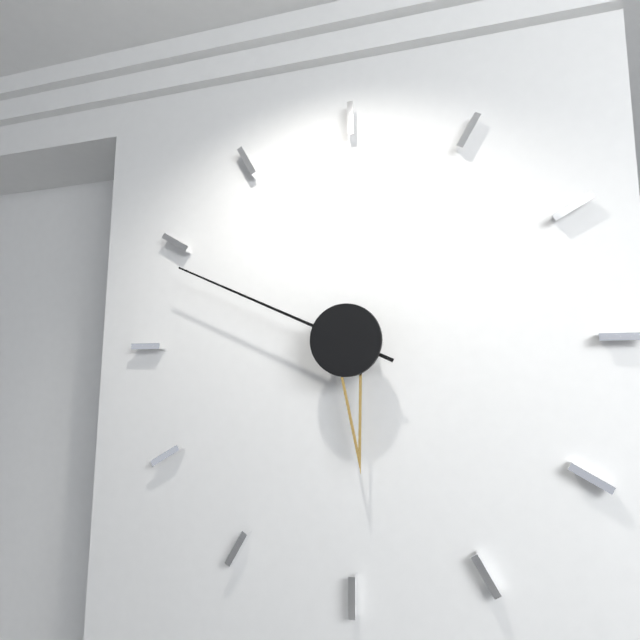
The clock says 5,49
